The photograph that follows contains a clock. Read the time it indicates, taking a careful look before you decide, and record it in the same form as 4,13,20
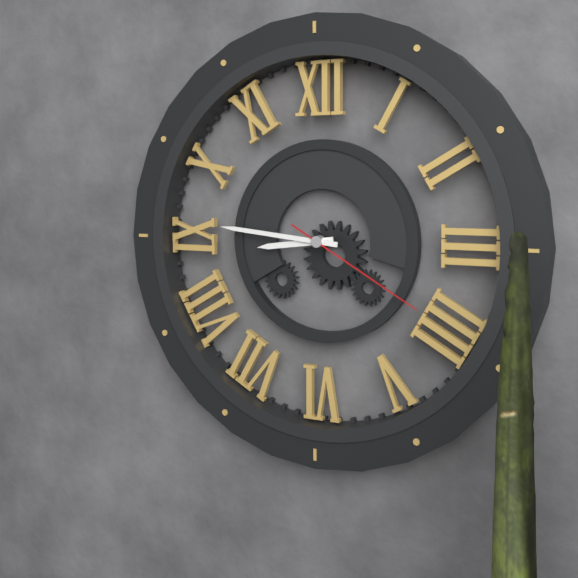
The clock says 8,46,20
